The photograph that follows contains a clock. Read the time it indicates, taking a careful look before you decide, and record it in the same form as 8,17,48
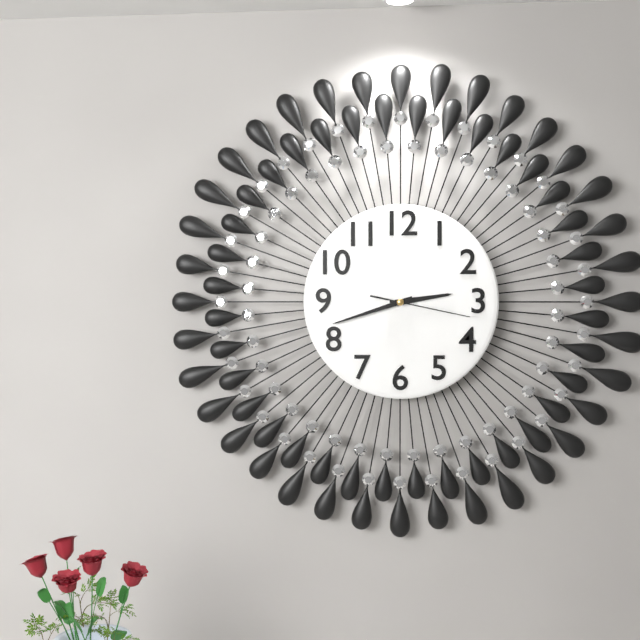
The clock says 2,42,17
